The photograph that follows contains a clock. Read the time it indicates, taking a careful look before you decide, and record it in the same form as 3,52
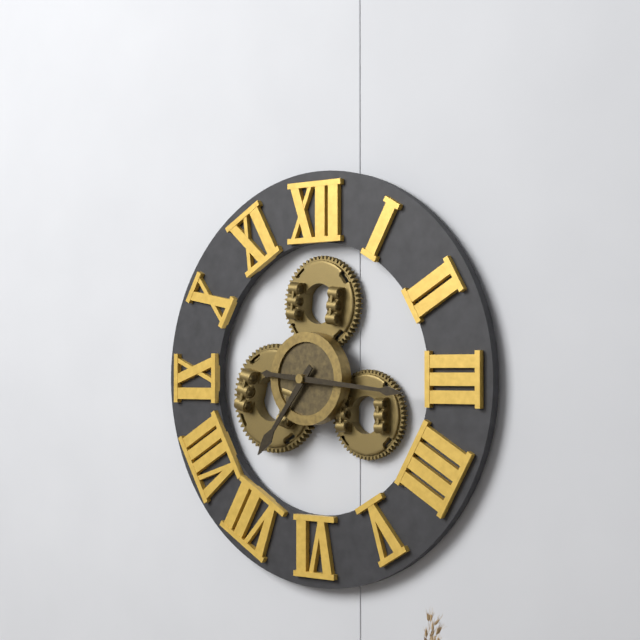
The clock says 7,16
